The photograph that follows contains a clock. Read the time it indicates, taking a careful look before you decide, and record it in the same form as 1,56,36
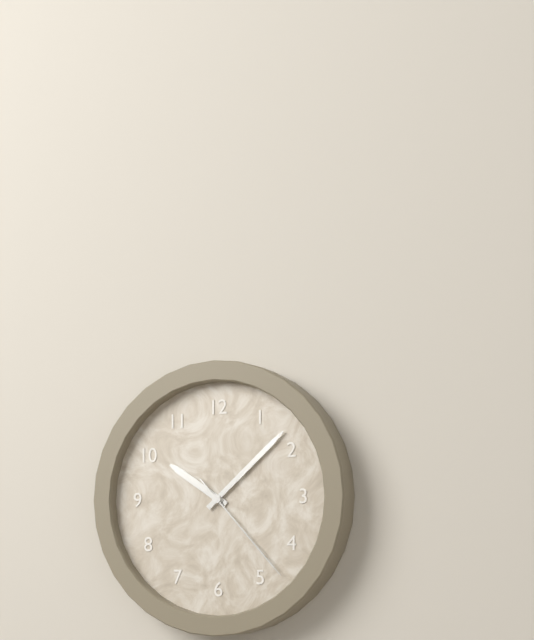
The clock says 10,08,23
